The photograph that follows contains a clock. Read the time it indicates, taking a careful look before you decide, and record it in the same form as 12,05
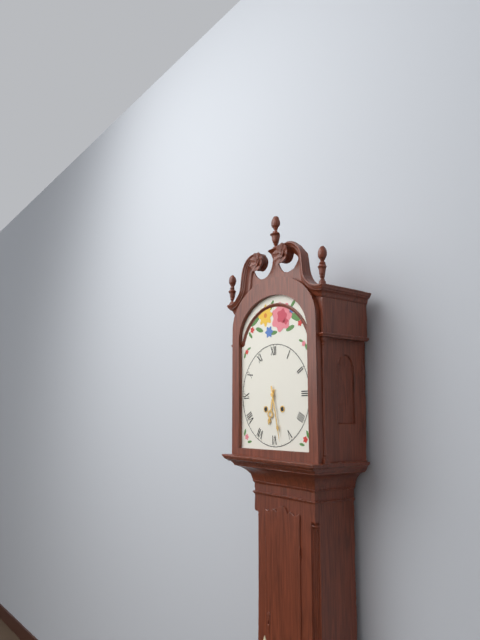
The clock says 6,28
